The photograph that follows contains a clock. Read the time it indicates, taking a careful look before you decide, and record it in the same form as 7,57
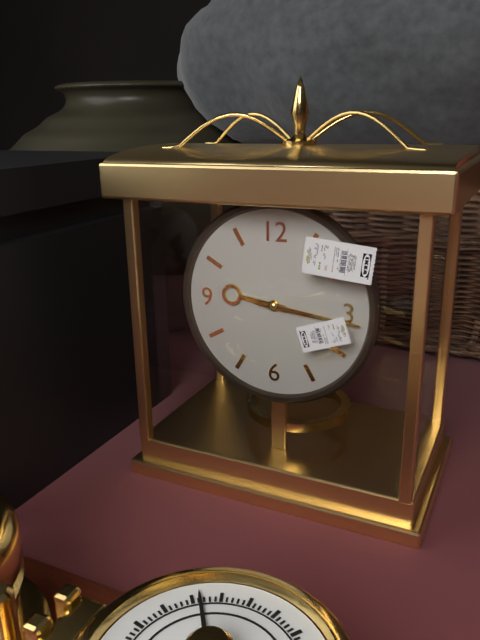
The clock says 9,16
